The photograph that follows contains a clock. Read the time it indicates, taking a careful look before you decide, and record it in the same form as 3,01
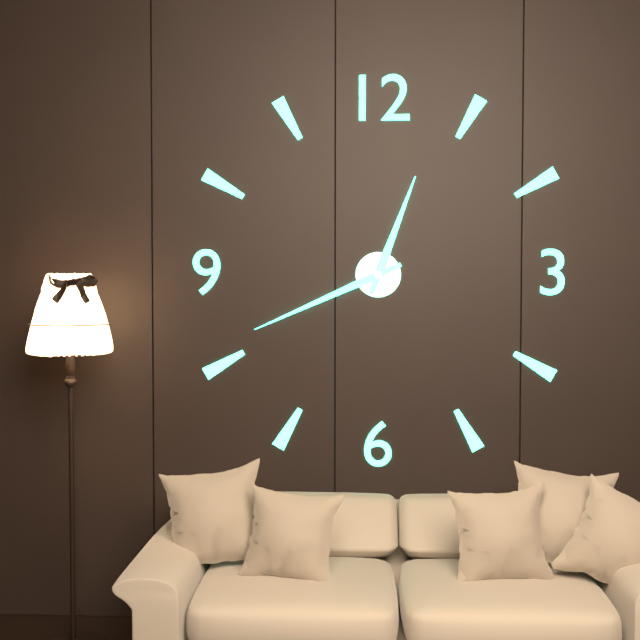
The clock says 12,41
